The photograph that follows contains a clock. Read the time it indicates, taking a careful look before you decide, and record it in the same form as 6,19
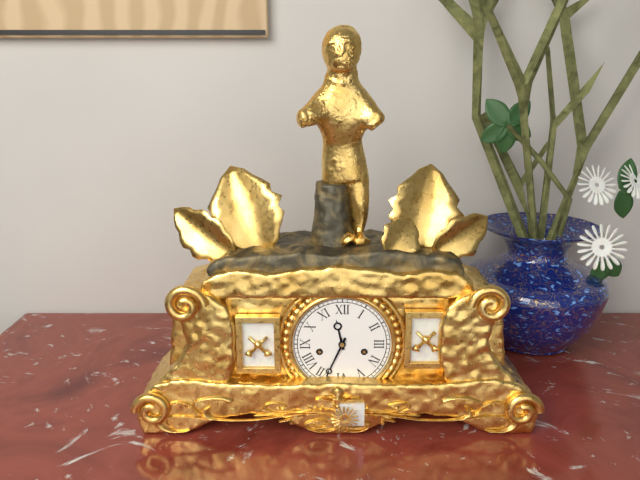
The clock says 11,34
